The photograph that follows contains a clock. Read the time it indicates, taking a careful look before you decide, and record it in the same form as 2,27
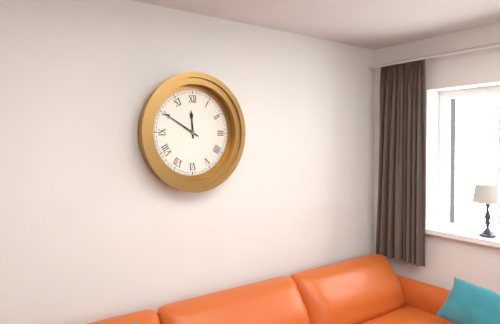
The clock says 11,50
